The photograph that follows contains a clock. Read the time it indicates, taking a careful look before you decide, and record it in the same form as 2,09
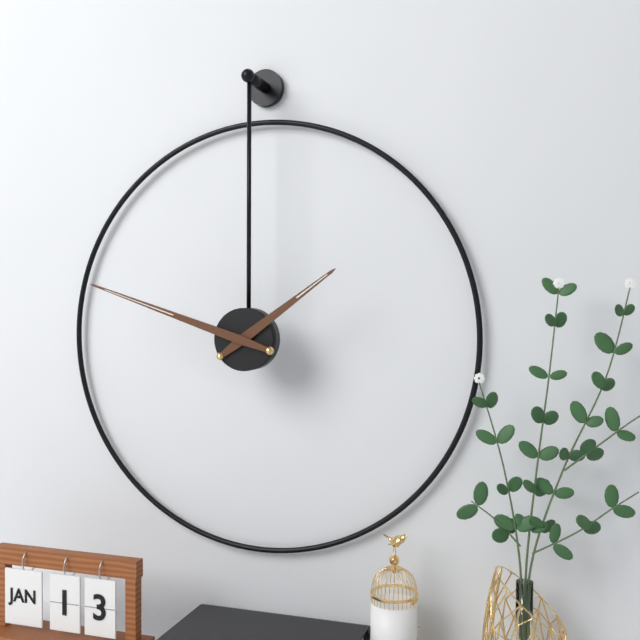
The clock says 1,48
